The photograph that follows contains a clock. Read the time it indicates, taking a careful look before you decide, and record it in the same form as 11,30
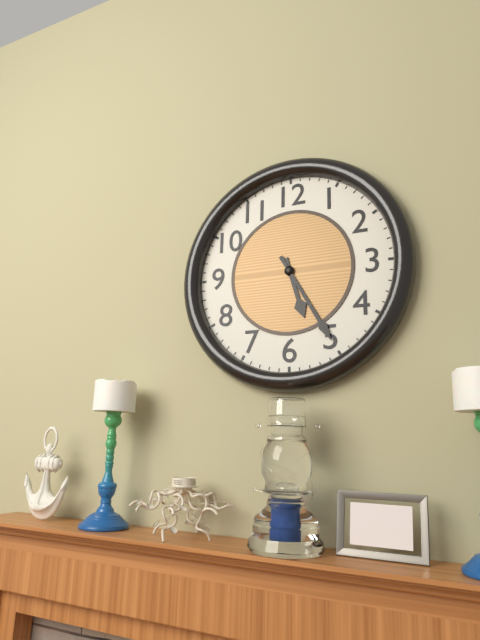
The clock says 5,25
